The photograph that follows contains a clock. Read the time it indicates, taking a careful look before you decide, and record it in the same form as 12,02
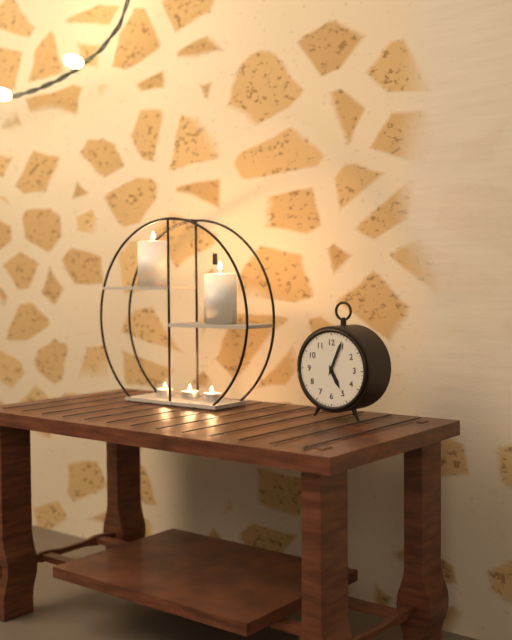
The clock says 5,04
